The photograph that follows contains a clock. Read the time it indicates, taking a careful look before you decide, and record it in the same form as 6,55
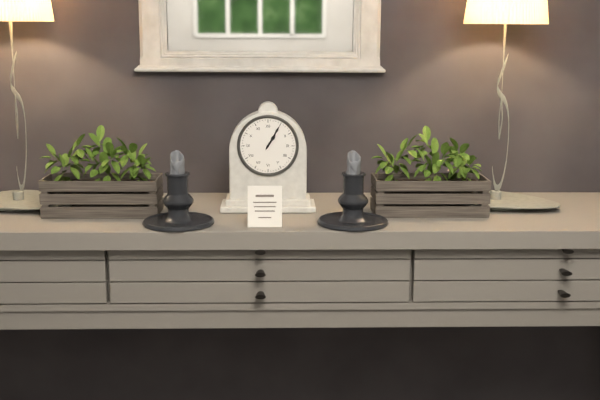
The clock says 1,05
